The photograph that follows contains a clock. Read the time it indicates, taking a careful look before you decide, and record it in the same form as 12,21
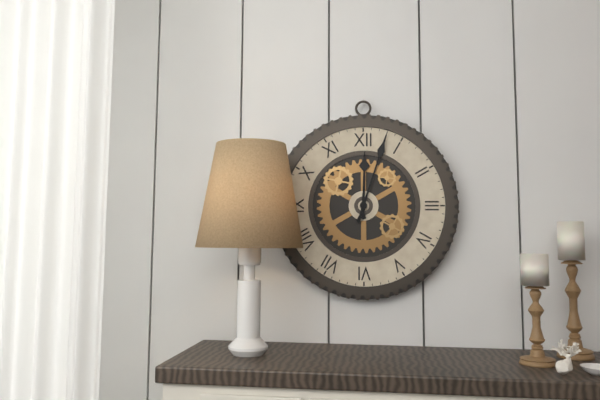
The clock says 12,03
